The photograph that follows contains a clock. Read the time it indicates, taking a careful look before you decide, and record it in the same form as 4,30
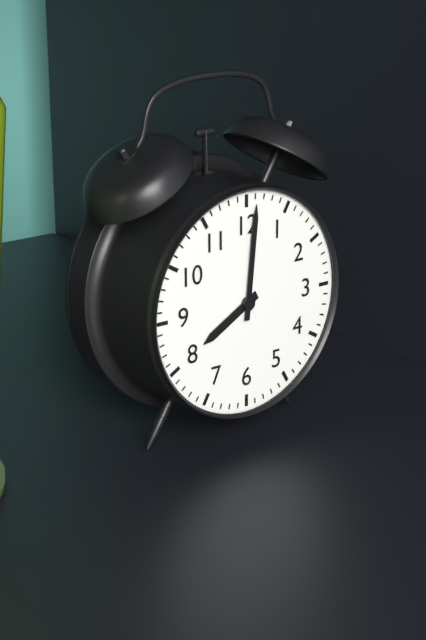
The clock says 8,01
